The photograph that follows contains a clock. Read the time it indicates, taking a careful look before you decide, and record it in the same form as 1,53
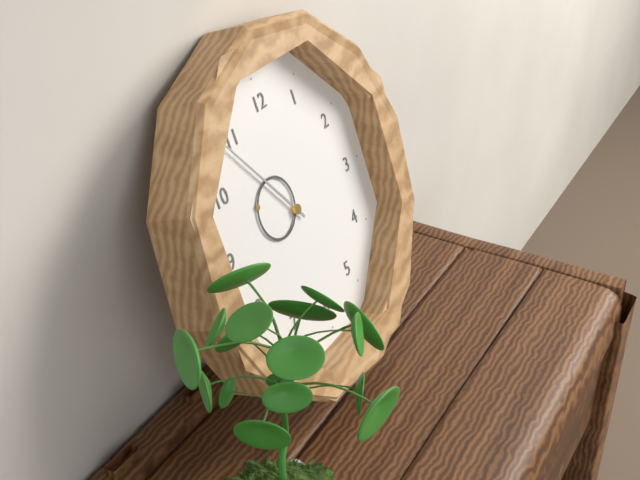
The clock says 9,54
